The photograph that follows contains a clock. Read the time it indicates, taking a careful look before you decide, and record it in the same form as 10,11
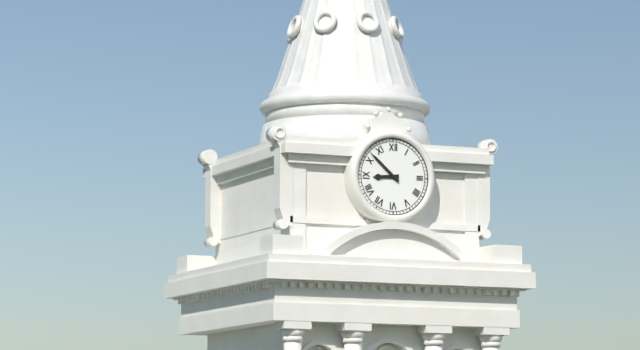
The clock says 8,52
